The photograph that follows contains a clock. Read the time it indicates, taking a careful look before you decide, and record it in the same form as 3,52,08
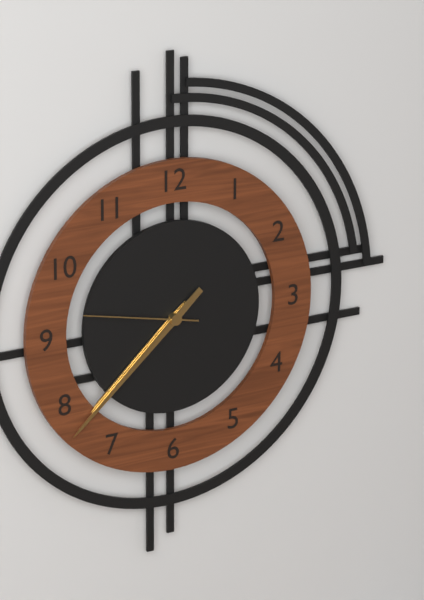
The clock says 7,38,47
